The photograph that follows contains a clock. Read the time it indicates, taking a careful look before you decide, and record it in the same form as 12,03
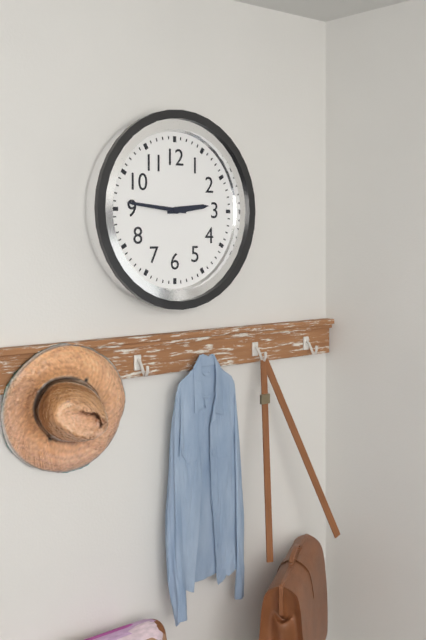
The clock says 2,46
